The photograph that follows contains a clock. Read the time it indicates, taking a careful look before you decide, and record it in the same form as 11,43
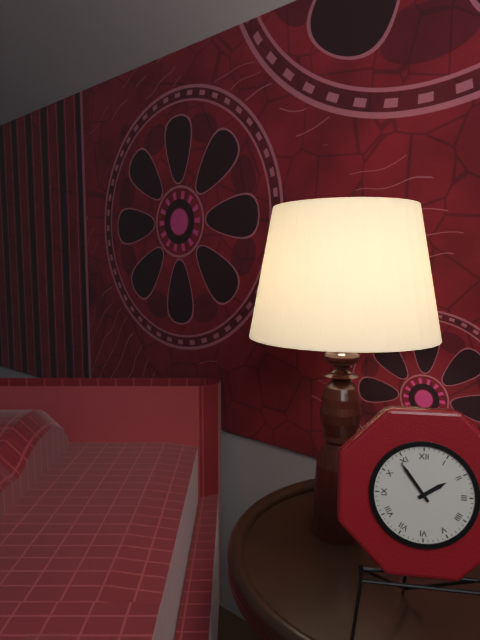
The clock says 1,54
